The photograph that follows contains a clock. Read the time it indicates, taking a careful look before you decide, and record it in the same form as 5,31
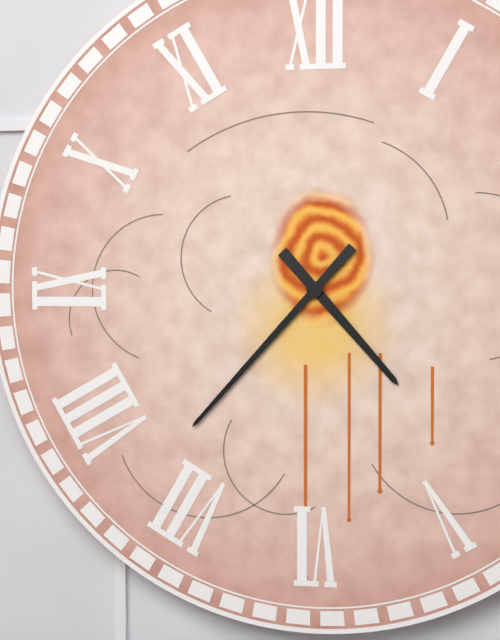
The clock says 4,37
